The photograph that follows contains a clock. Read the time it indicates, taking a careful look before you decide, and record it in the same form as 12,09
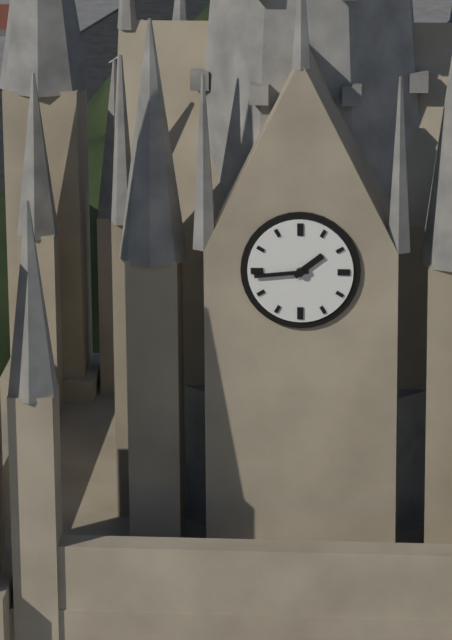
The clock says 1,44
